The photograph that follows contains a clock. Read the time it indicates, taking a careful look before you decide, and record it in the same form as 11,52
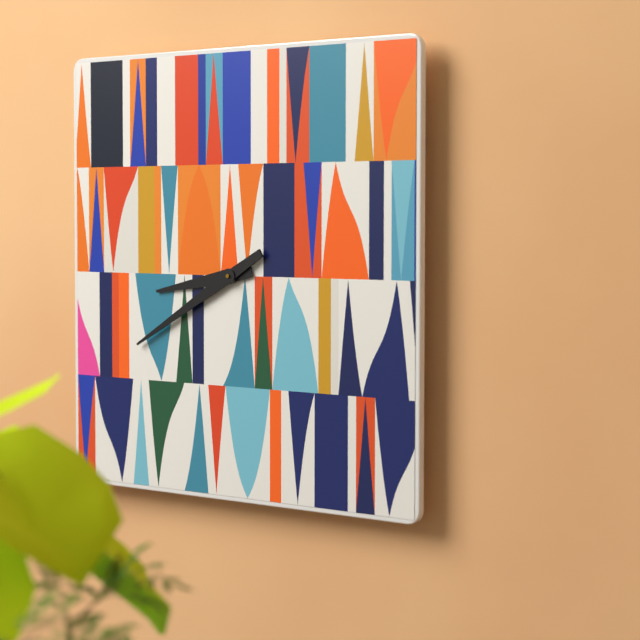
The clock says 8,40
